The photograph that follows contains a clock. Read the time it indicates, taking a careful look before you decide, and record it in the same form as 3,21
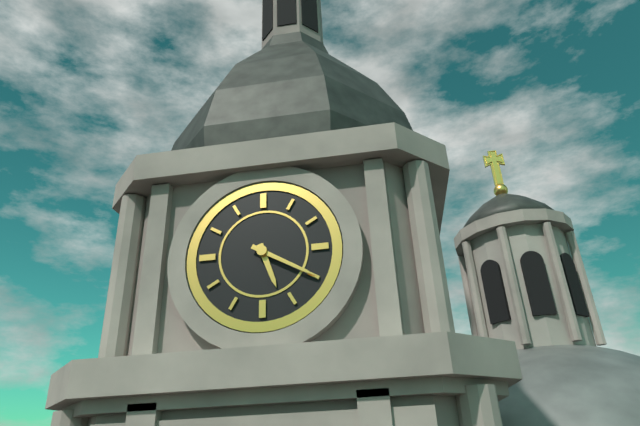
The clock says 5,20
